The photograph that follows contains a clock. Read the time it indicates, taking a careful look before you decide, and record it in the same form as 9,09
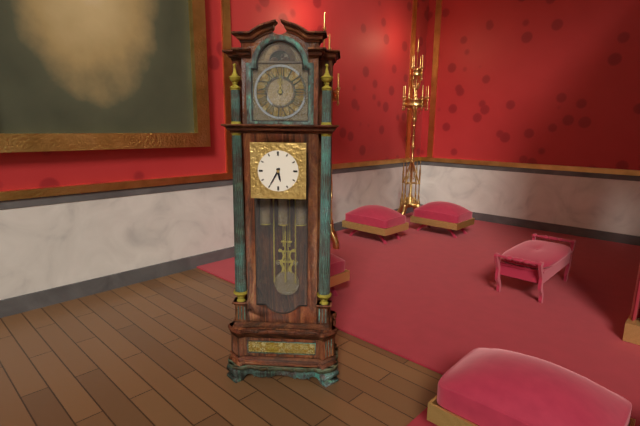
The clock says 5,35
